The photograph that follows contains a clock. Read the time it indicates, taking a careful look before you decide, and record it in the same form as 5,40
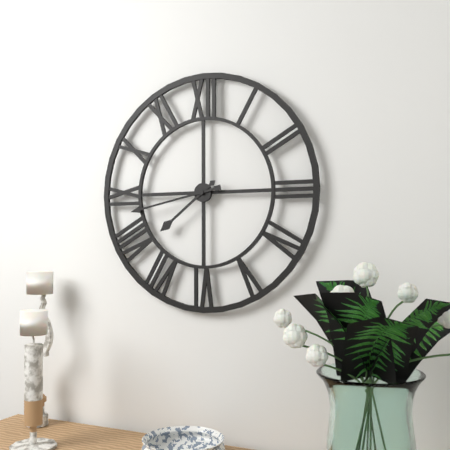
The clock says 7,43
